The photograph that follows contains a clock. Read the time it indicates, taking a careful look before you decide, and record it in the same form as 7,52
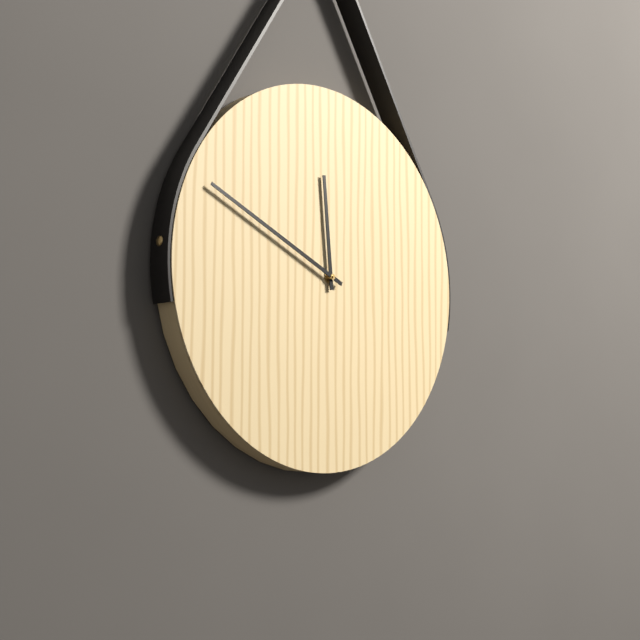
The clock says 11,49
